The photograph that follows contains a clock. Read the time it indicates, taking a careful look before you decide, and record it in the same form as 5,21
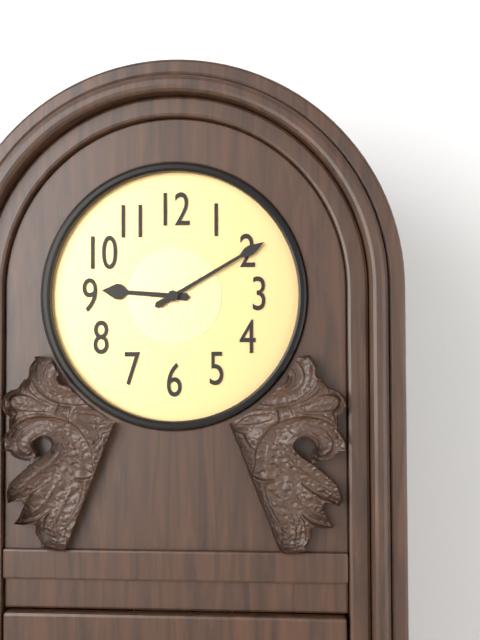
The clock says 9,10
